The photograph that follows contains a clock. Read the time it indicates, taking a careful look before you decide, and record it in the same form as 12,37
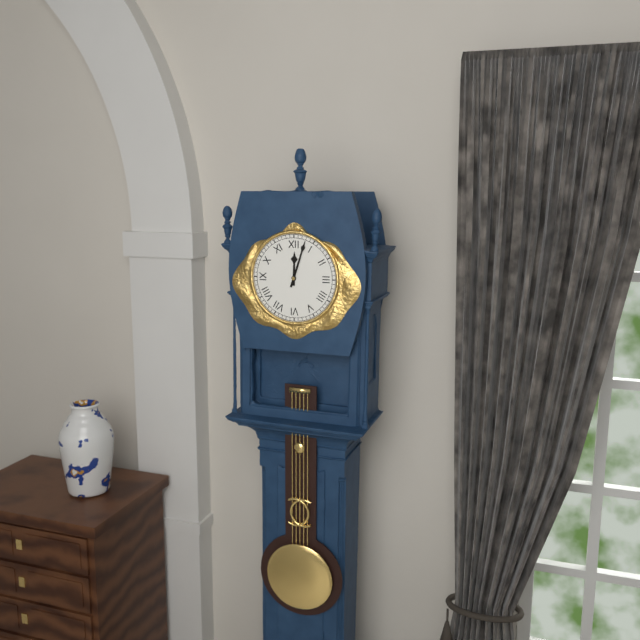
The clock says 12,03
